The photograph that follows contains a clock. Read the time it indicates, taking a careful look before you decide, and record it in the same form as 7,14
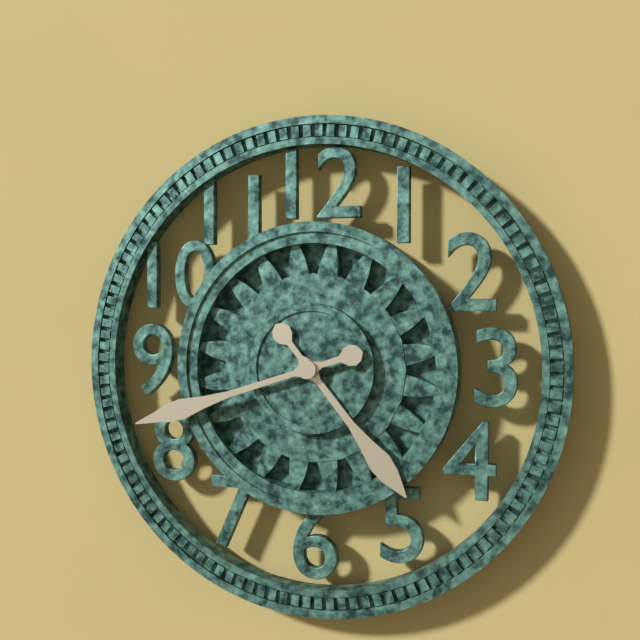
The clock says 4,42
